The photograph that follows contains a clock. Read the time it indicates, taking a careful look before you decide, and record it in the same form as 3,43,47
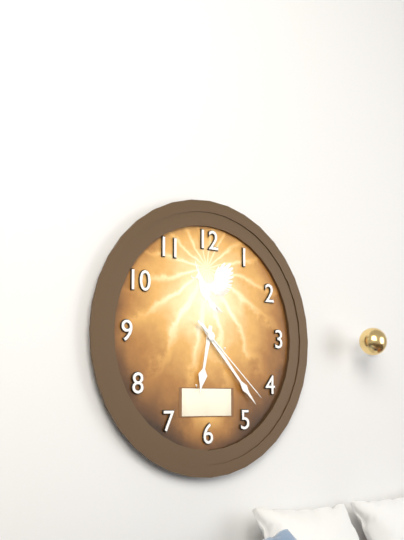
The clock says 6,23,22
